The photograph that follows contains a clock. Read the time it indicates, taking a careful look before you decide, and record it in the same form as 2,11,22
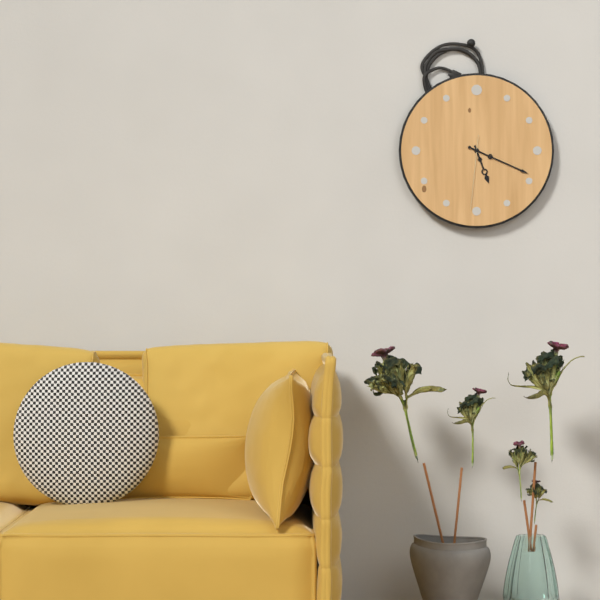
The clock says 5,19,31
